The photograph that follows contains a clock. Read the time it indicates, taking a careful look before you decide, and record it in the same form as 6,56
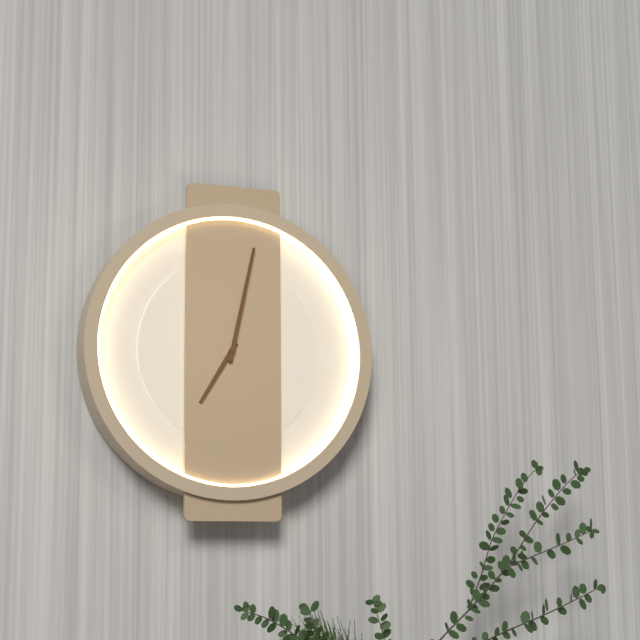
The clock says 7,02
